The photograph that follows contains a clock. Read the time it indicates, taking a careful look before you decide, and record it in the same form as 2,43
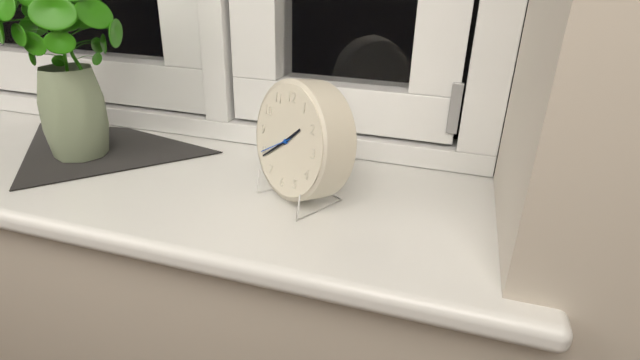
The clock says 1,39
